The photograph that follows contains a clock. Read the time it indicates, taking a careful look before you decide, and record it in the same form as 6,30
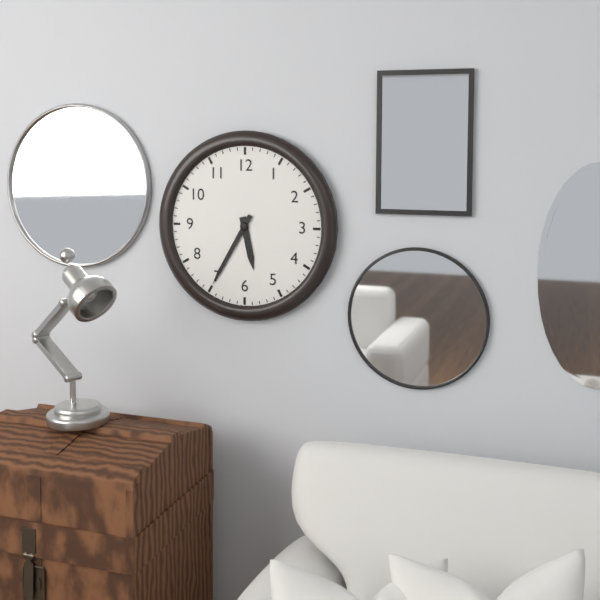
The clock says 5,35
